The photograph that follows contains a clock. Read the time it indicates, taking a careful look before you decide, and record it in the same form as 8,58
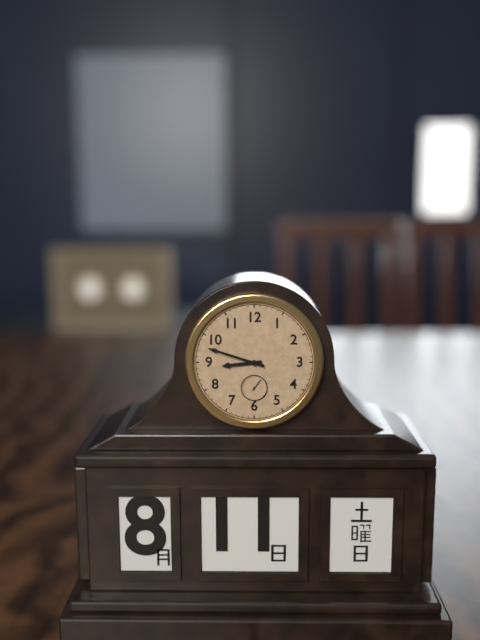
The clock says 8,48
